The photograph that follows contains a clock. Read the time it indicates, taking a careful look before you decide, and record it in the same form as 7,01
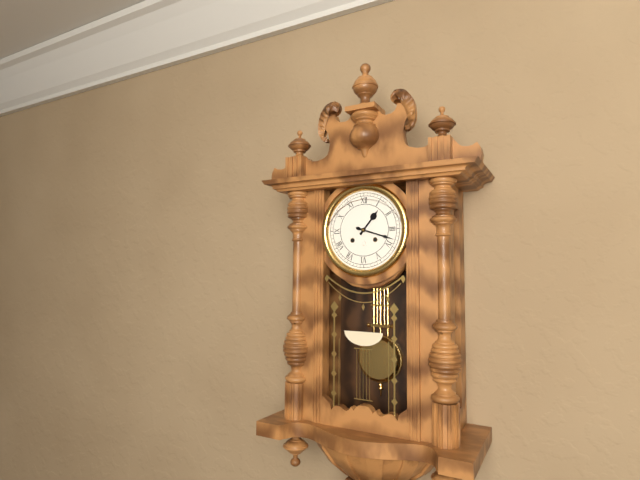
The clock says 1,18
